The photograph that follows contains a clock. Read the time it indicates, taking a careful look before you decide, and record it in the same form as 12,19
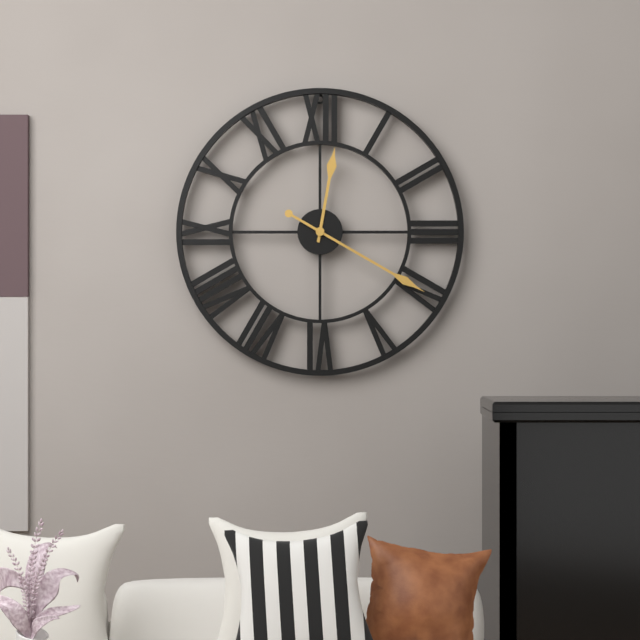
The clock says 12,20
